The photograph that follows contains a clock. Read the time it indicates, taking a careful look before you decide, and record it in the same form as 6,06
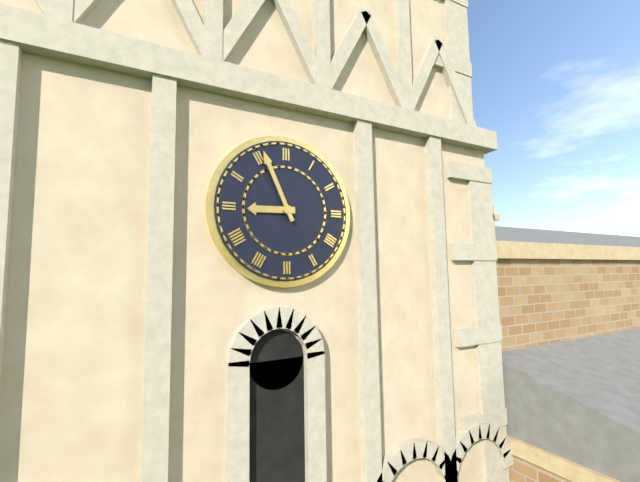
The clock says 8,56
